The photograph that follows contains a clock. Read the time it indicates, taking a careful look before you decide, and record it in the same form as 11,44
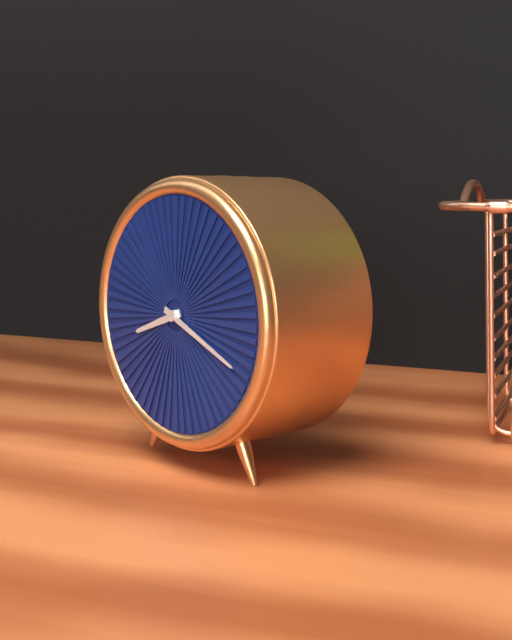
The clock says 8,19
